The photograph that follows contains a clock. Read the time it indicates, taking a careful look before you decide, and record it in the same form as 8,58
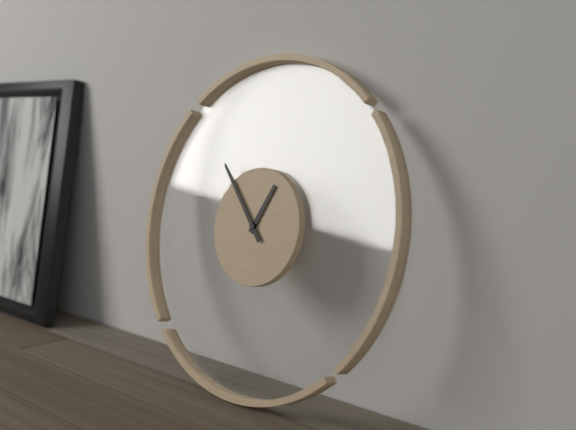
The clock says 12,53
